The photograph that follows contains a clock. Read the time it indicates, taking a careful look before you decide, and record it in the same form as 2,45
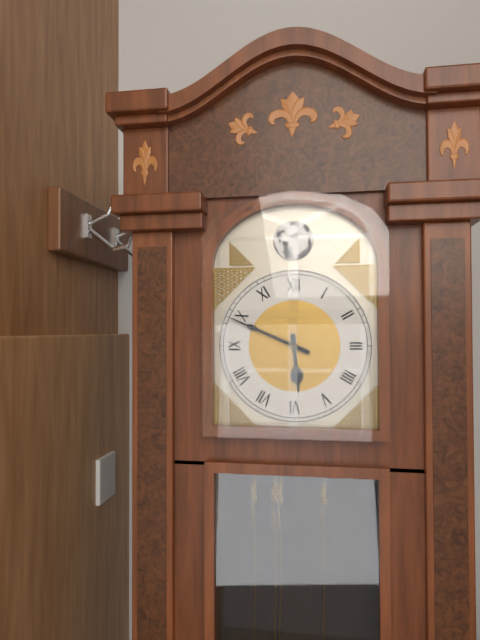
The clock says 5,49
